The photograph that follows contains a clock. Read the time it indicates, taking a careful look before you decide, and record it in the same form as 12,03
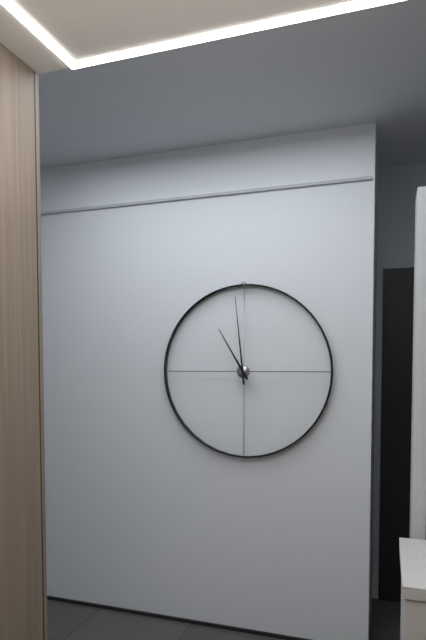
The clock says 10,59
